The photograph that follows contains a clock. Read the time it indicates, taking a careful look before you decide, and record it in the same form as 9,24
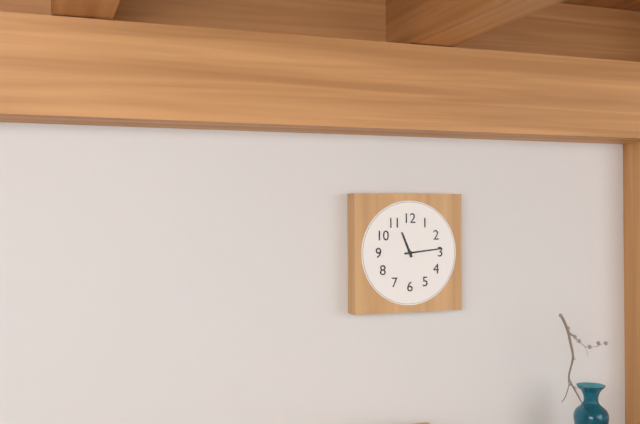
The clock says 11,14
